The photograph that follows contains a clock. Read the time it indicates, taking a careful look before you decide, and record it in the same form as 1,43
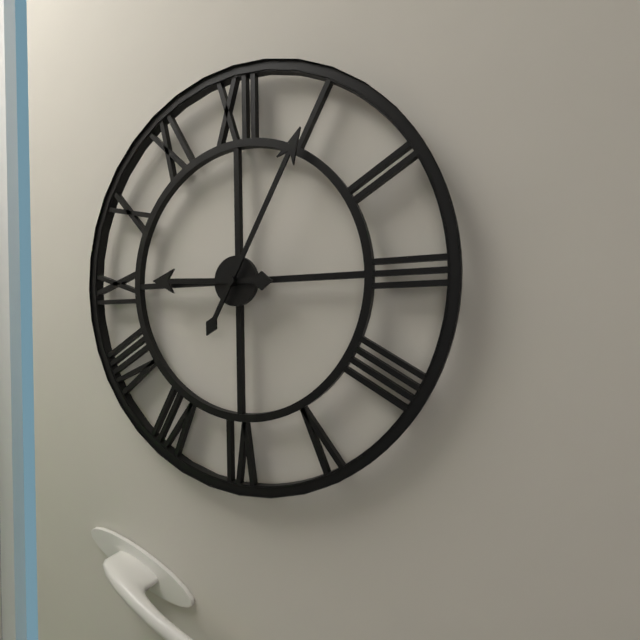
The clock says 9,05
